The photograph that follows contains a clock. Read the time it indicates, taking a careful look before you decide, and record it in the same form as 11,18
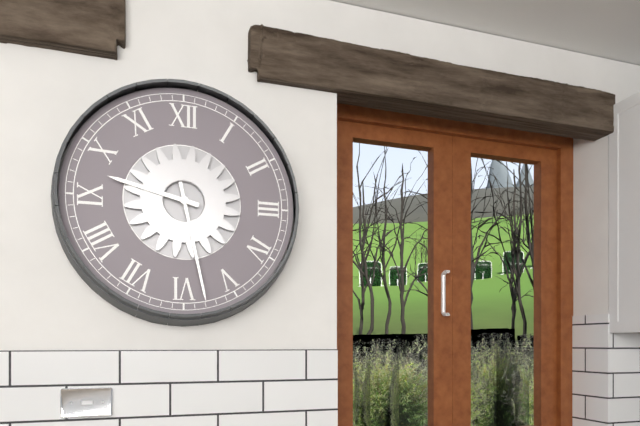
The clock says 9,28
